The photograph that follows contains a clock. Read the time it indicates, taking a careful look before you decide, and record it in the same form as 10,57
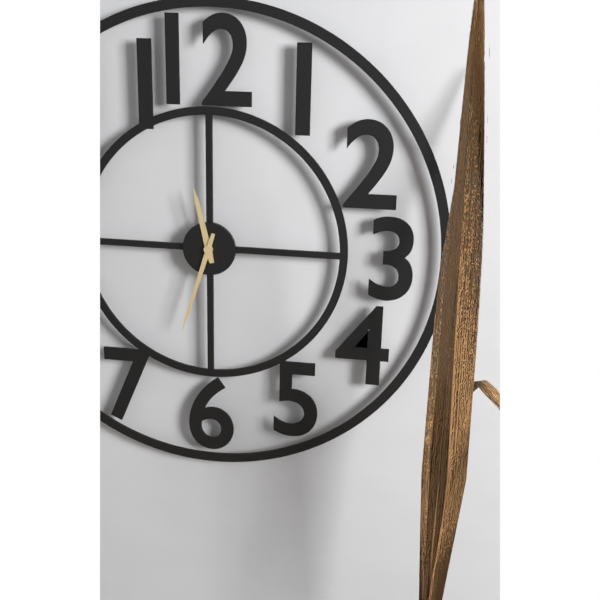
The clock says 11,33
